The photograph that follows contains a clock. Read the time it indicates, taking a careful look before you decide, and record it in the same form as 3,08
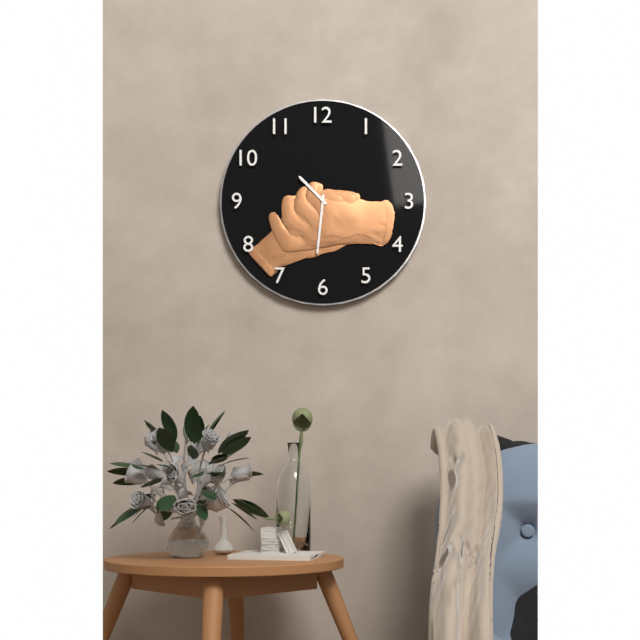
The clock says 10,31
